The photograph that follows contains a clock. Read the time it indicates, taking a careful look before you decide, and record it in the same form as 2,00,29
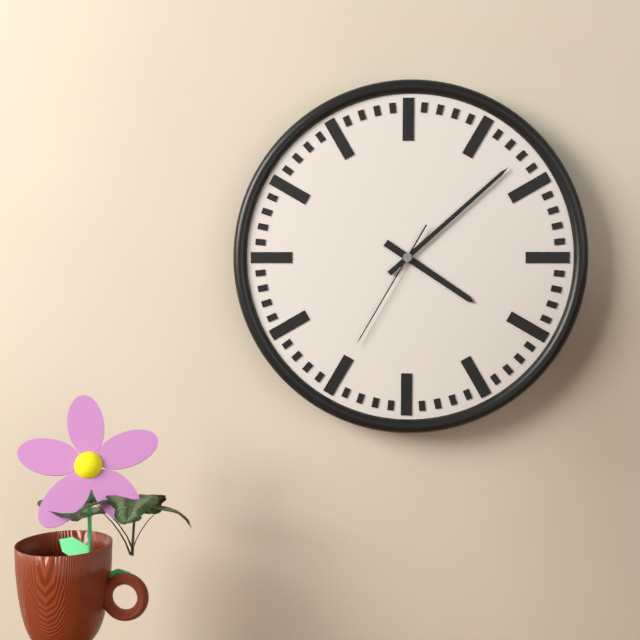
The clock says 4,08,35
